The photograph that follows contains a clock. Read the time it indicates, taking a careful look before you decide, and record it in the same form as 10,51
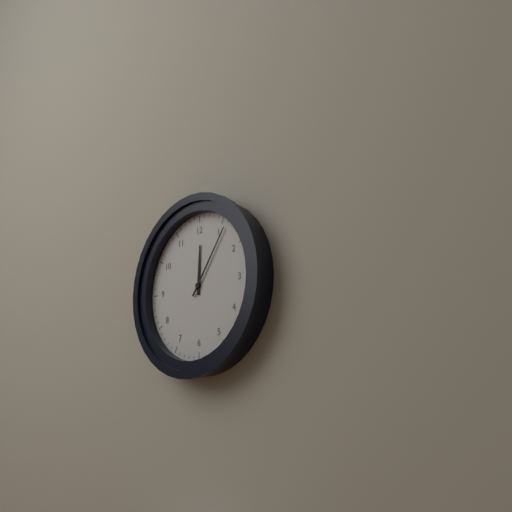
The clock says 12,06
